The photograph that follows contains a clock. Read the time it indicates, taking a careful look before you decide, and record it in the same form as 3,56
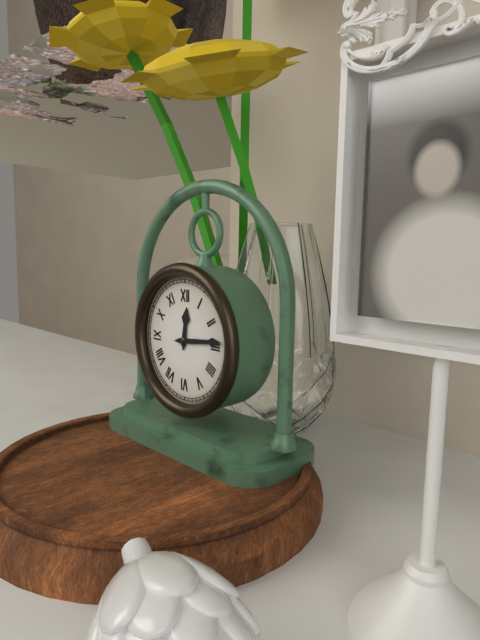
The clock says 12,14
